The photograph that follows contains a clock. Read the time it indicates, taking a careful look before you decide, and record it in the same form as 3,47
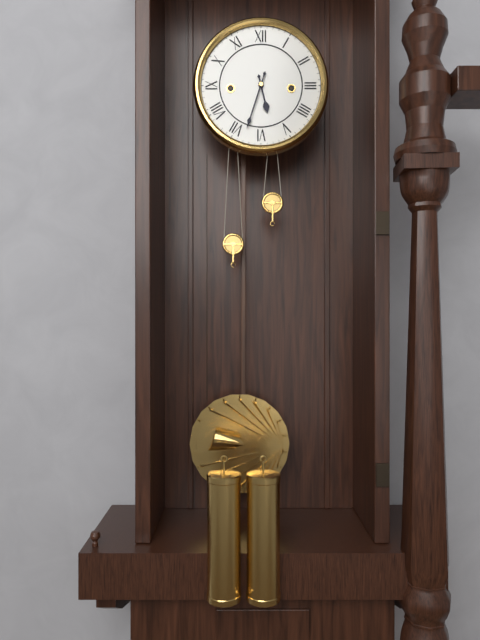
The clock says 5,33
